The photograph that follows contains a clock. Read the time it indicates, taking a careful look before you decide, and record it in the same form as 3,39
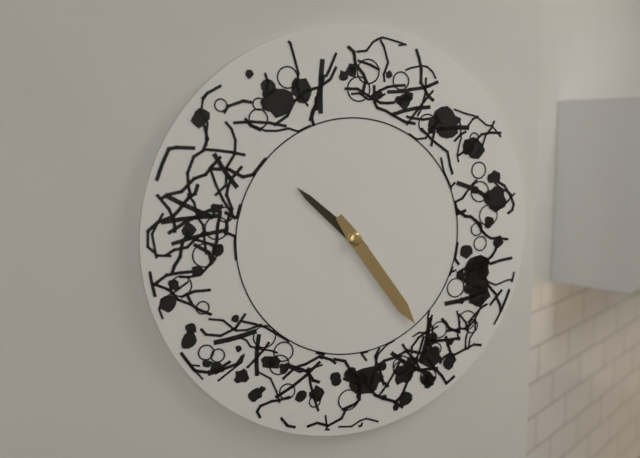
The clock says 10,24
